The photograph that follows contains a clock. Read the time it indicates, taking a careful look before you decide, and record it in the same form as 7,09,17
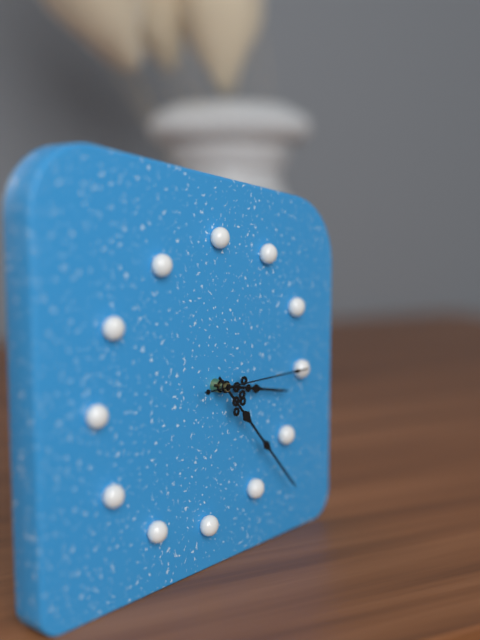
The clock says 3,23,15
